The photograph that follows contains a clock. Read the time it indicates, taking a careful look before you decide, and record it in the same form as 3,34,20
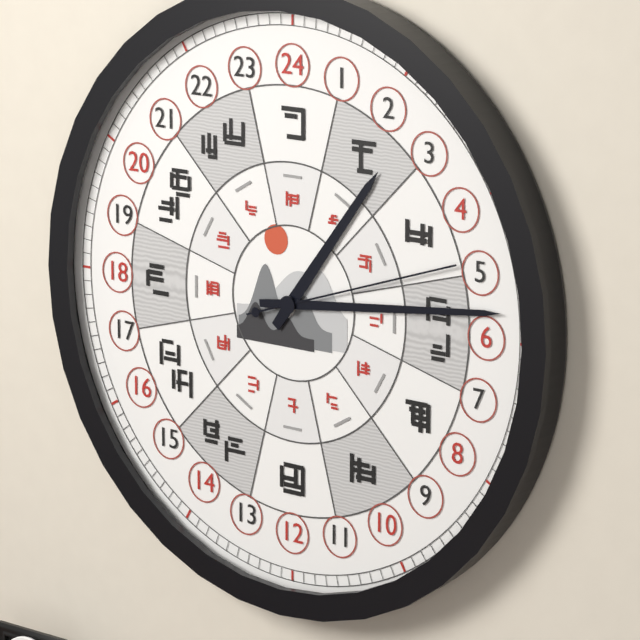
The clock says 1,14,12
